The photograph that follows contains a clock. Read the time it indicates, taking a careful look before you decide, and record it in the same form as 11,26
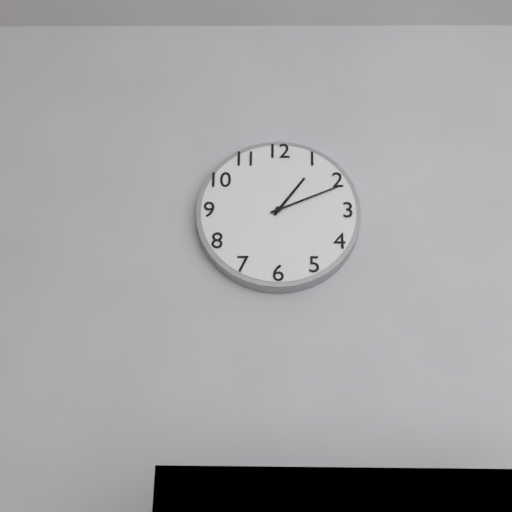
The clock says 1,11
